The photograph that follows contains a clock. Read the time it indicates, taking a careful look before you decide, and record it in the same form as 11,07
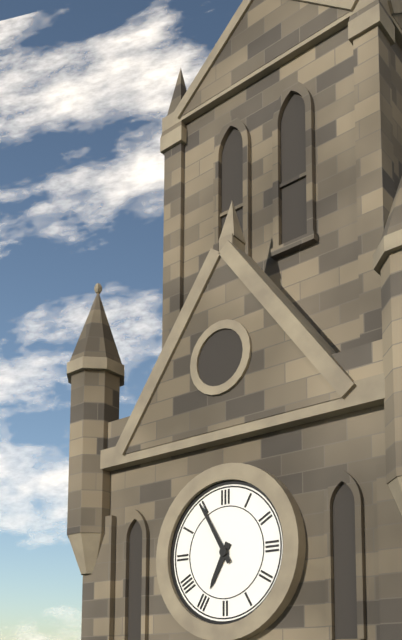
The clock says 6,55
